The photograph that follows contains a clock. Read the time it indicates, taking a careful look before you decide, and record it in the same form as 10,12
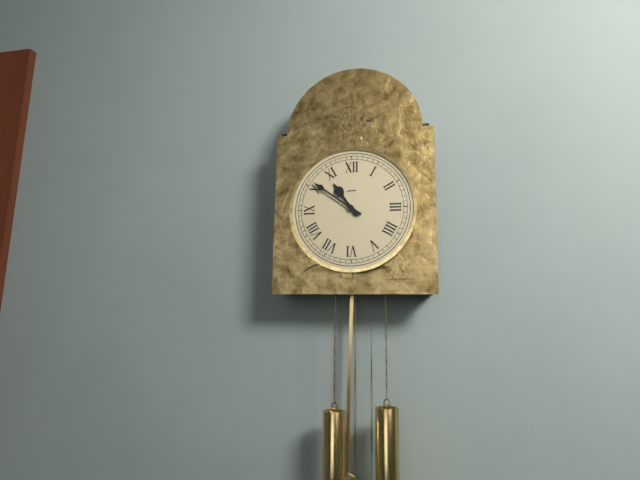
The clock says 10,51
